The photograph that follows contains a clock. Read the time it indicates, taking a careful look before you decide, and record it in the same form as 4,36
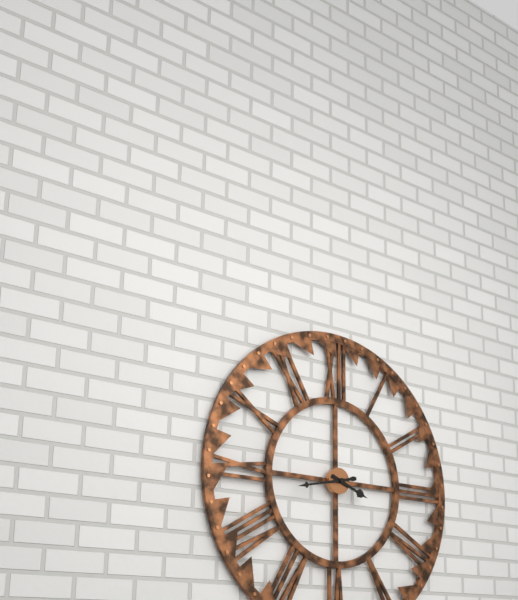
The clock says 3,43
